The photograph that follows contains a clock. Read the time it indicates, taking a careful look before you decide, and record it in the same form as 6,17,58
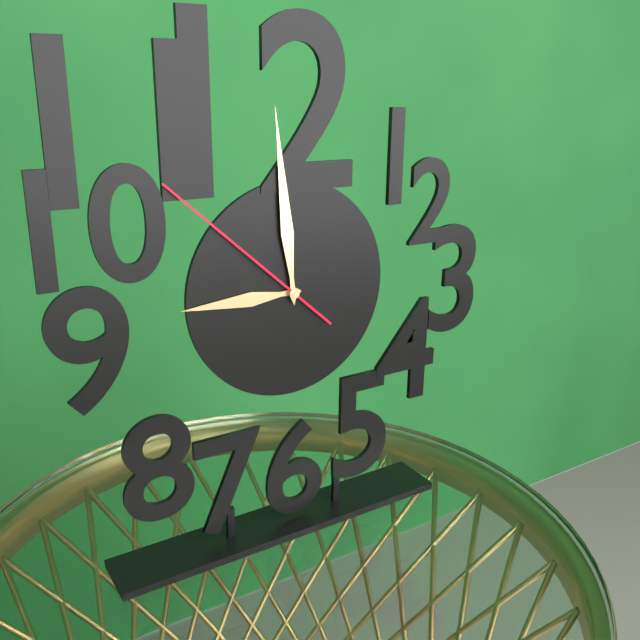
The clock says 8,59,52
